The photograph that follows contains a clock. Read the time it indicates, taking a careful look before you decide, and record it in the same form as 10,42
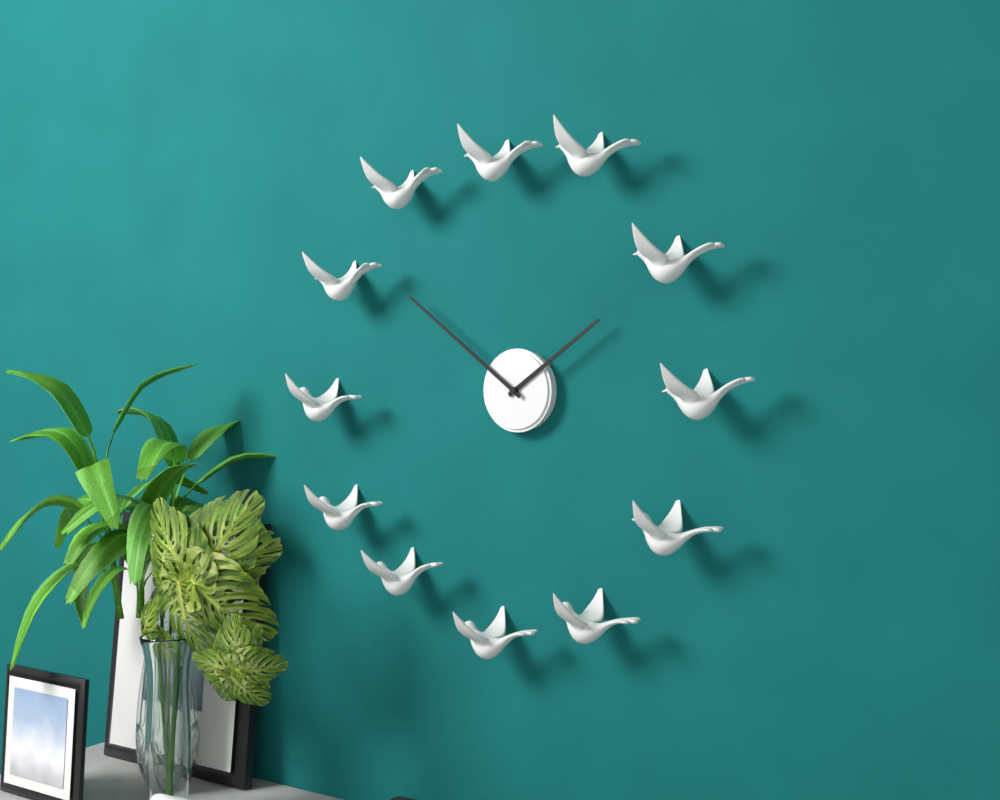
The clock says 1,51
